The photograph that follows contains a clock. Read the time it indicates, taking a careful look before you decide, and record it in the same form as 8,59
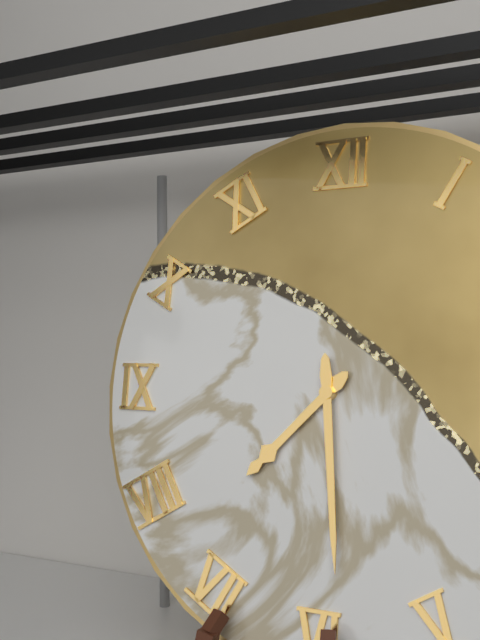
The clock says 7,29
